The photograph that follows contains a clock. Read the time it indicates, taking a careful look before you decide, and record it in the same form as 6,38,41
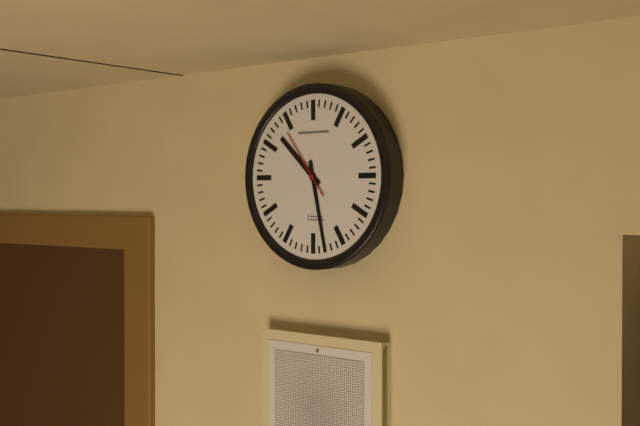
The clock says 10,28,54
